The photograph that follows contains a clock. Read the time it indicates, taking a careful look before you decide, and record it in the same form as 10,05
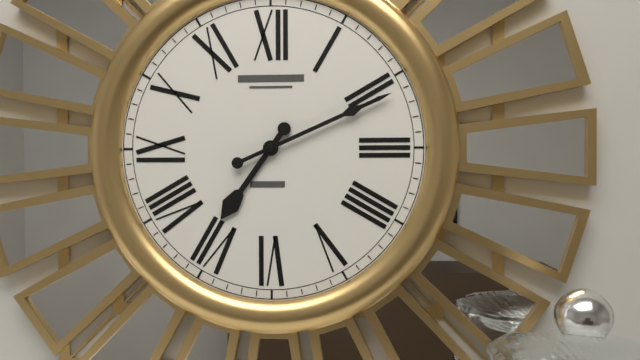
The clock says 7,11
